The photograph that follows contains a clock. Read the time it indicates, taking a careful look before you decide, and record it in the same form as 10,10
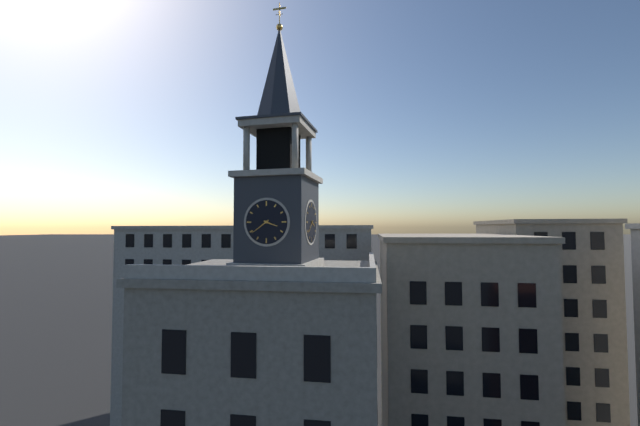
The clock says 3,39
